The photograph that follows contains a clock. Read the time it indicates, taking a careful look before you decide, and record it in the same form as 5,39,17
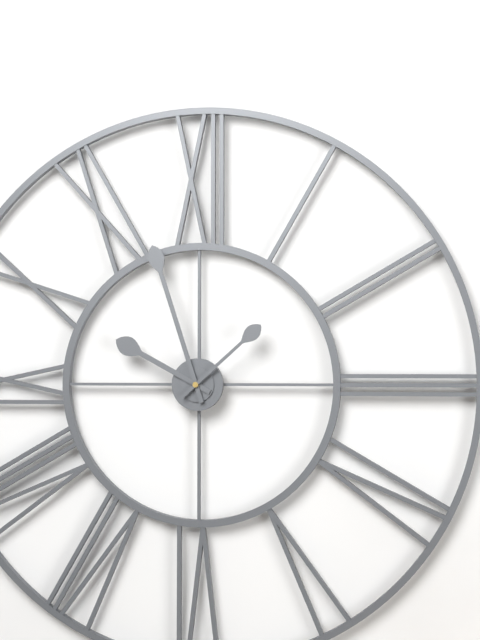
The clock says 9,57,08
